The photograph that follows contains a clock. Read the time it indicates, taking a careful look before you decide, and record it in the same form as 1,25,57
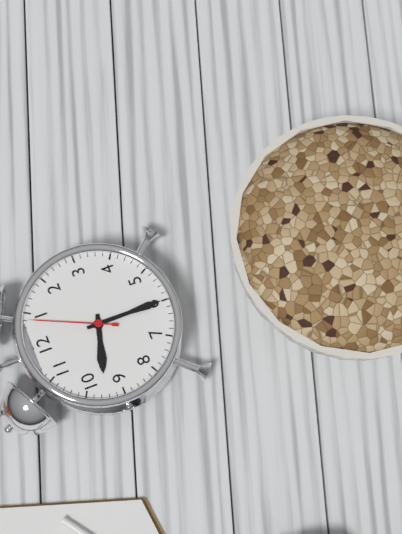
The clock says 9,30,04
